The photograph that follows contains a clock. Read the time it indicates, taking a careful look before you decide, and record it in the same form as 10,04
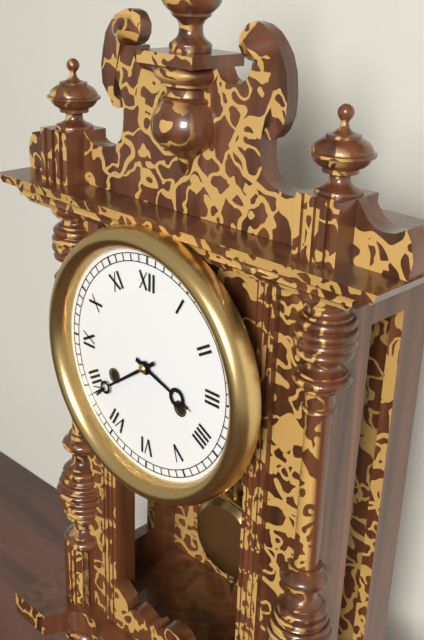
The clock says 3,39
